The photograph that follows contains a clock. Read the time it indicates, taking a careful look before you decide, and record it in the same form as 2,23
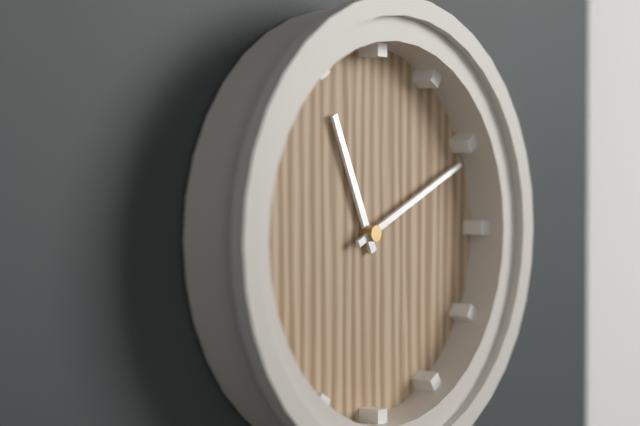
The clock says 11,11
